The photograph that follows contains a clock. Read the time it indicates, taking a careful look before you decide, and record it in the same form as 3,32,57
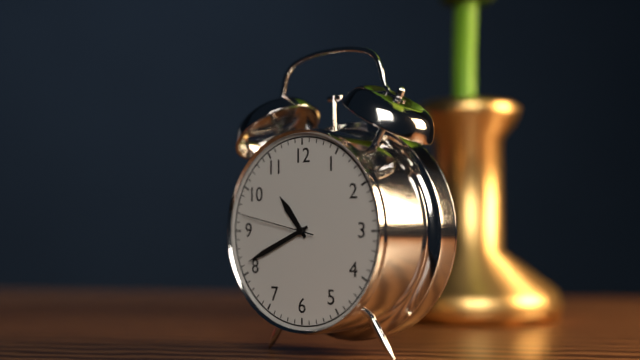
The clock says 10,41,47
